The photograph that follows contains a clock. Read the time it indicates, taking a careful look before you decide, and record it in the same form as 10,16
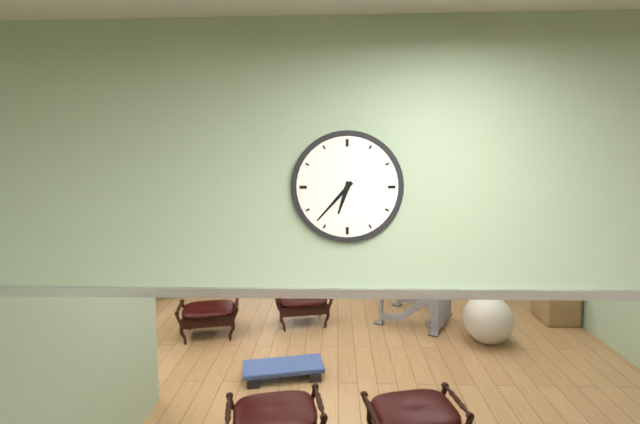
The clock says 6,37
